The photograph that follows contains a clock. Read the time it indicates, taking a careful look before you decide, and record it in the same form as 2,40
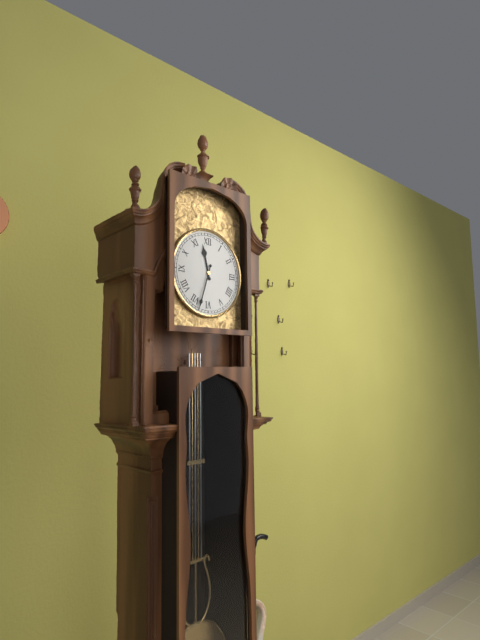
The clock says 11,33
